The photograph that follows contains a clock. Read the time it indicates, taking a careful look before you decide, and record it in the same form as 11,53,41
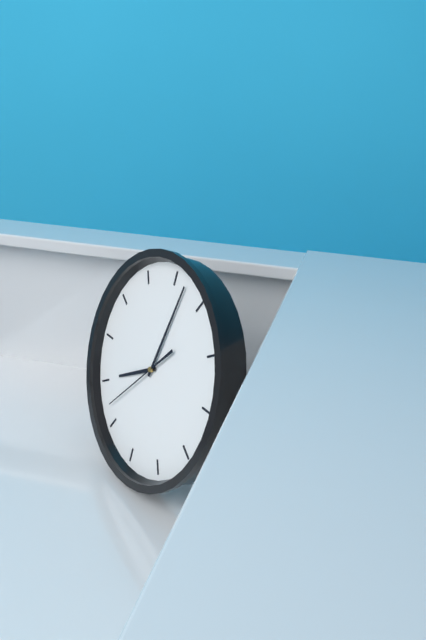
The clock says 8,02,37
